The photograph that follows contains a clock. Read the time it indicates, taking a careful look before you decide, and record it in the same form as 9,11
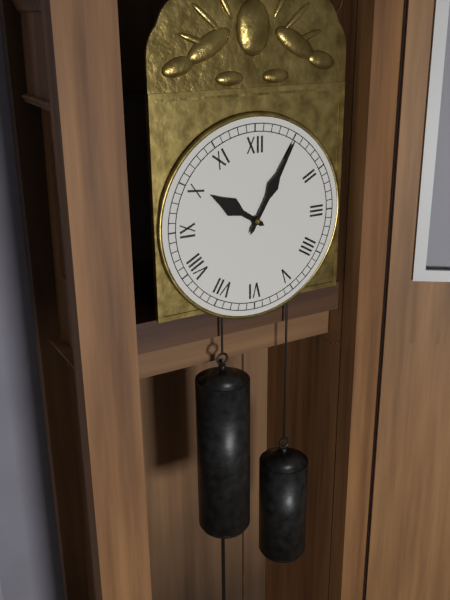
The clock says 10,05
